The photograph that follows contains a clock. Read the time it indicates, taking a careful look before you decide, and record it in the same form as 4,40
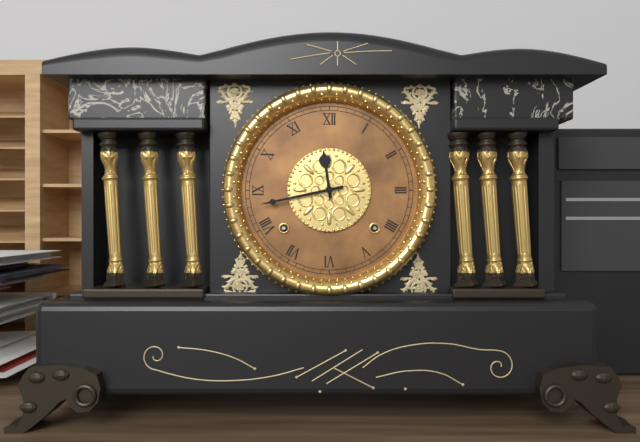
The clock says 11,43
